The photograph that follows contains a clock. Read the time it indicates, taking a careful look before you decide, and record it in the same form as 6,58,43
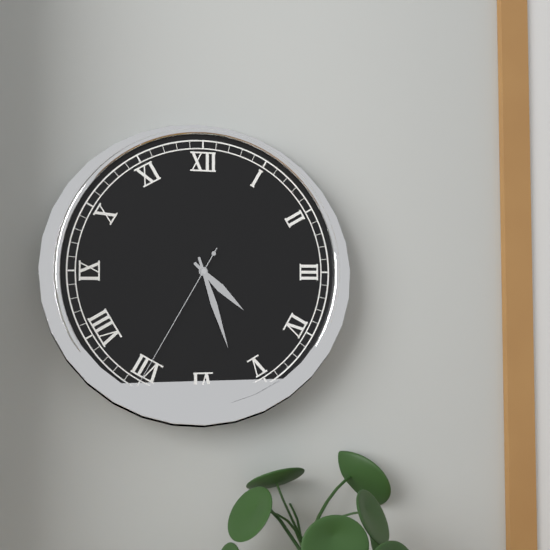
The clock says 4,27,35
